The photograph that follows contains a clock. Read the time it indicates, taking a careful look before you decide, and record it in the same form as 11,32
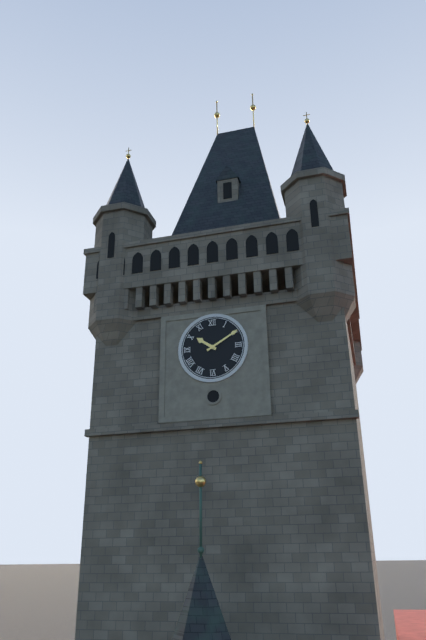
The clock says 10,10
